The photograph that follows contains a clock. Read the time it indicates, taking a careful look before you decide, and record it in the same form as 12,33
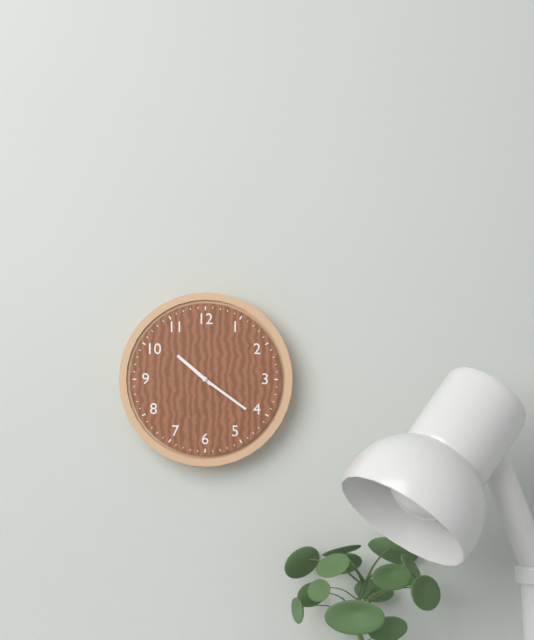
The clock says 10,21
